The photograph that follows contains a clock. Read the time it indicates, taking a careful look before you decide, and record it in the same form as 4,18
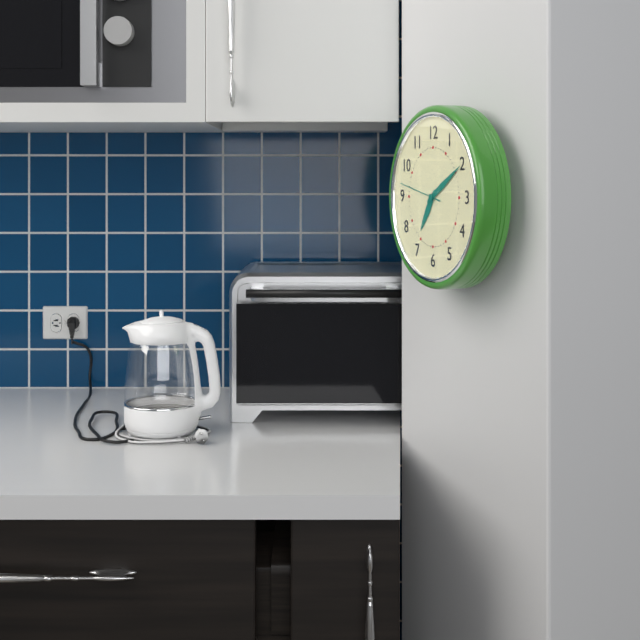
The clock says 7,10
